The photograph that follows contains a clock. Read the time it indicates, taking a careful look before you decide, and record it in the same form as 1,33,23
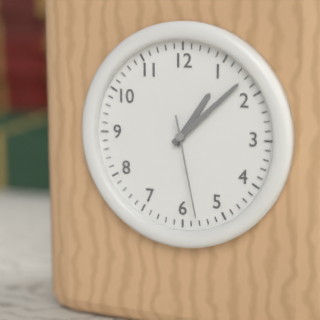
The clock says 1,08,28
